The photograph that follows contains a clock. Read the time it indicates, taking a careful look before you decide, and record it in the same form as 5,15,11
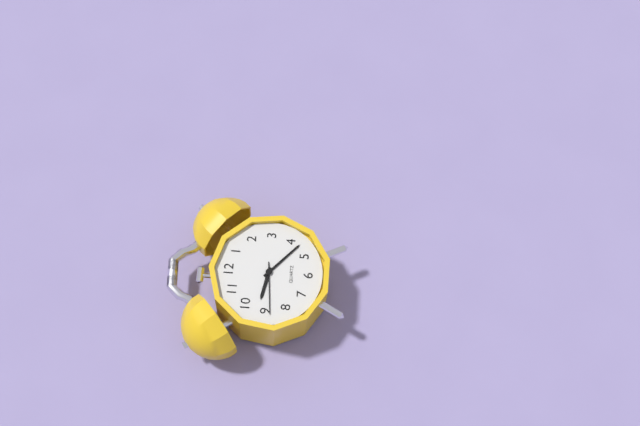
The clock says 9,22,44
